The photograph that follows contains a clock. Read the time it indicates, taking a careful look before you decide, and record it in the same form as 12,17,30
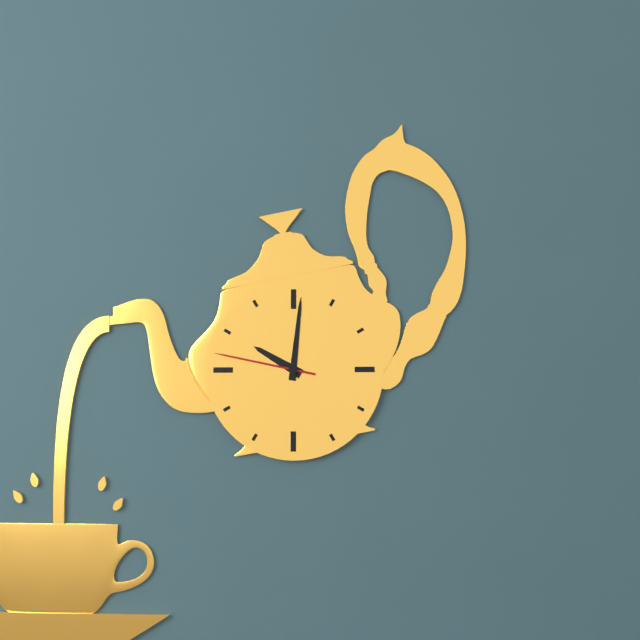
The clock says 10,01,47
